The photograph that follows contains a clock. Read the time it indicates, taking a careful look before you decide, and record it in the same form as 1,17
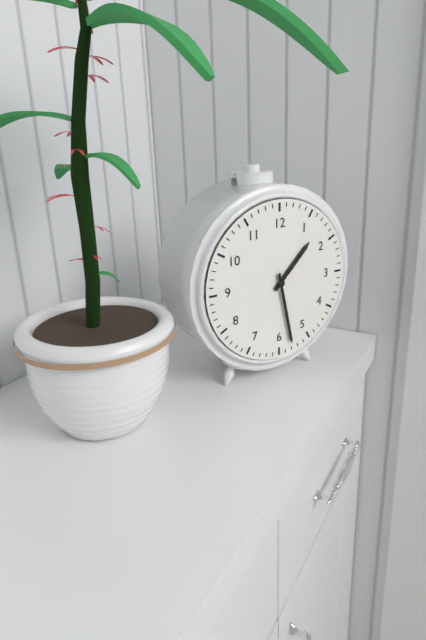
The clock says 1,28
